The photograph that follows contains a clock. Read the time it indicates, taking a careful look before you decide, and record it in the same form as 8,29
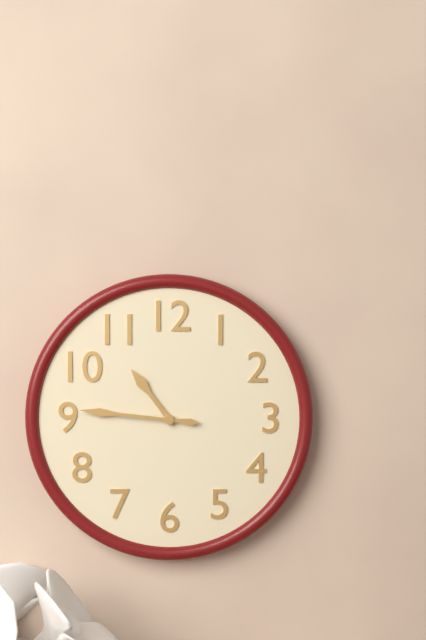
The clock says 10,46
